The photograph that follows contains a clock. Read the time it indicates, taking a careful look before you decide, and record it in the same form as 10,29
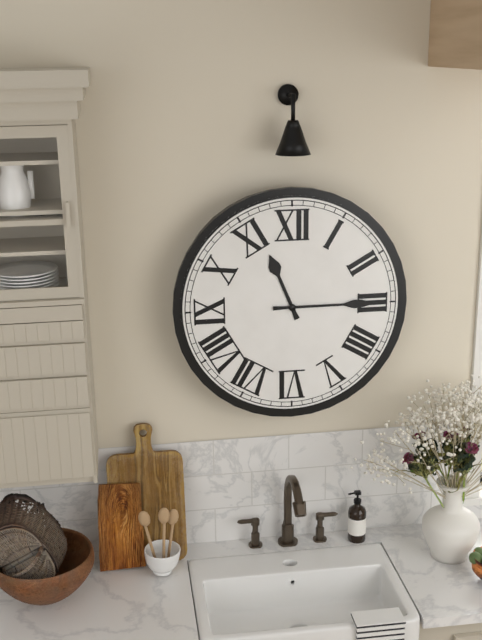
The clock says 11,15
